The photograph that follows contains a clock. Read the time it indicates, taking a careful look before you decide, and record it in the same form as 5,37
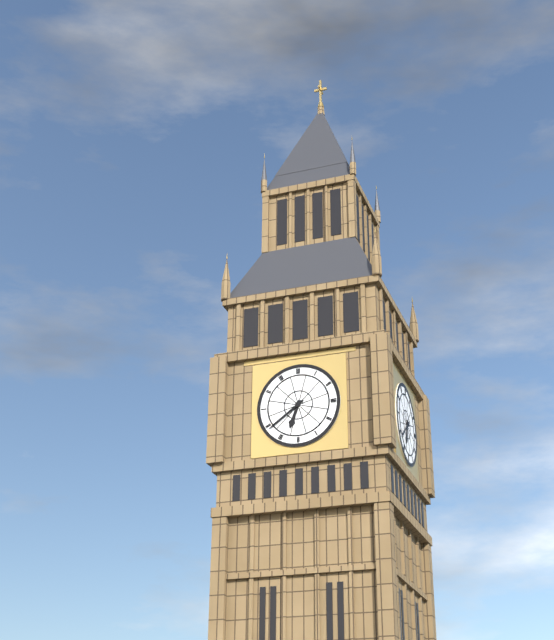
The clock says 6,39
